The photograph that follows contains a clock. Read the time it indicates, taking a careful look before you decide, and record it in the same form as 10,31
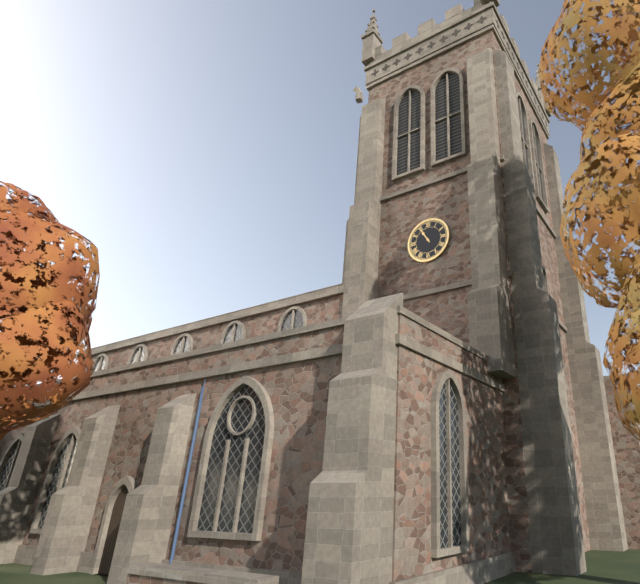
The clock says 10,55
